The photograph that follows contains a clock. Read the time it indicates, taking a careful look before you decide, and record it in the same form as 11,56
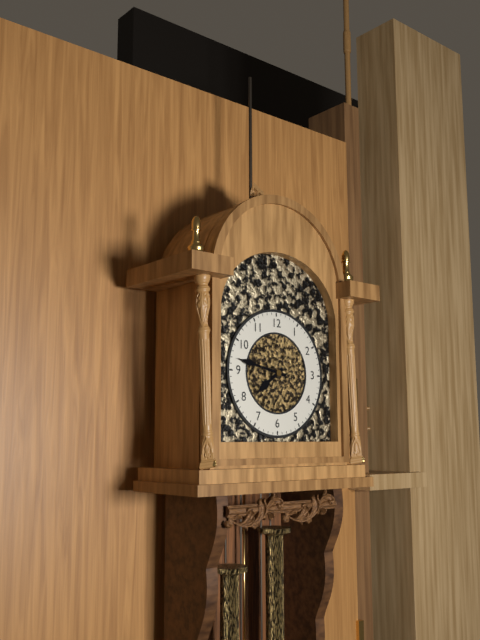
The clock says 7,47
